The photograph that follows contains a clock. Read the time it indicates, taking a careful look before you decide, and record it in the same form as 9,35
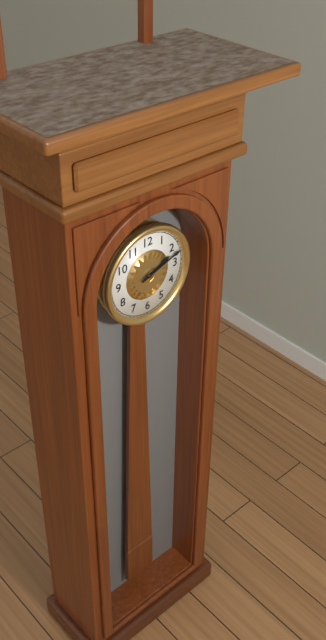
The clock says 2,12
